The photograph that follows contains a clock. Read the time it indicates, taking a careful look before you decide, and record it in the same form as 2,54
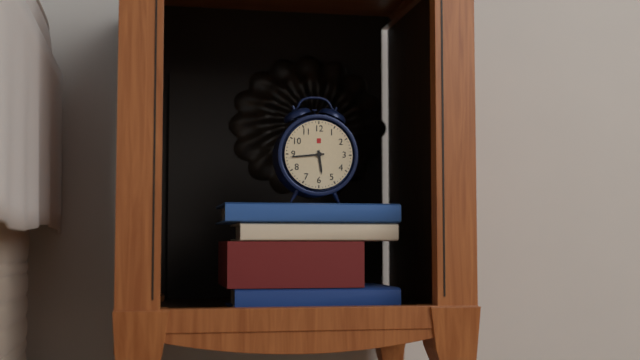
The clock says 5,44
